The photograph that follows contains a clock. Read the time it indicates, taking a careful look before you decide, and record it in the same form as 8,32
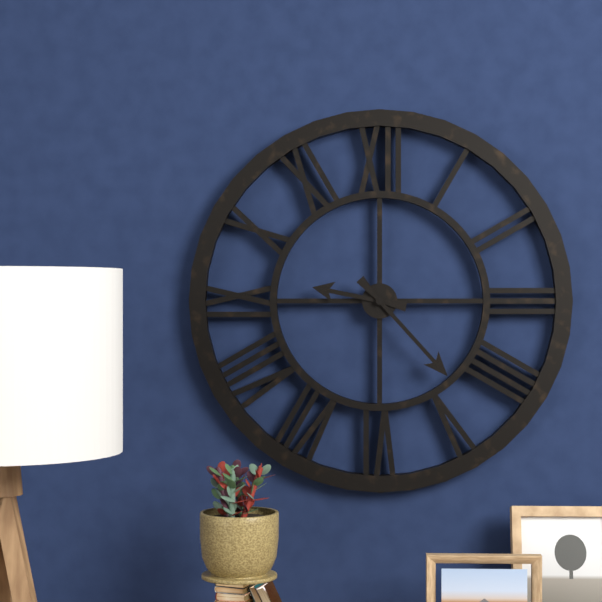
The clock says 9,23
